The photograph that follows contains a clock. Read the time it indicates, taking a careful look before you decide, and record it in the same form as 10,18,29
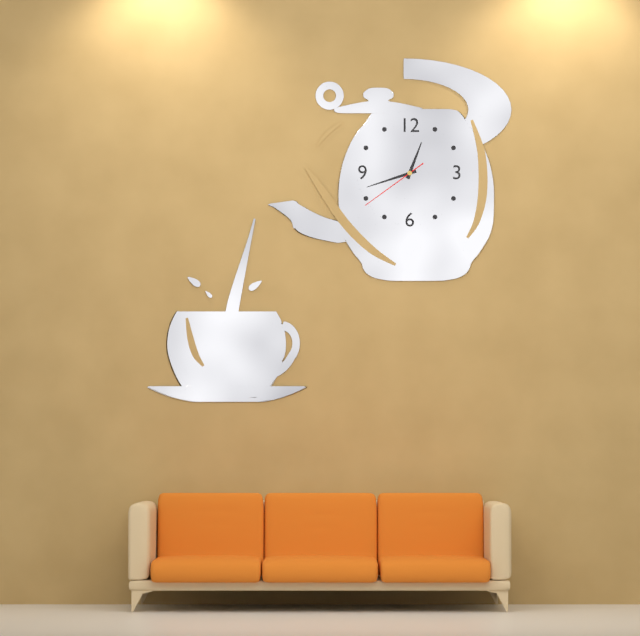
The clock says 12,42,39
